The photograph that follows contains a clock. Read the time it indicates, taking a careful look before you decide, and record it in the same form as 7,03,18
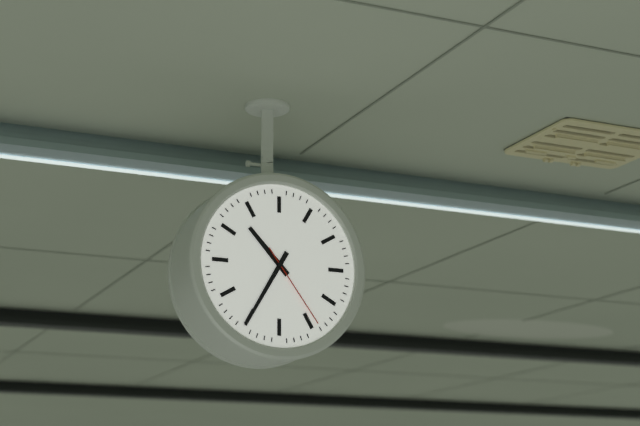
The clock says 10,35,24
